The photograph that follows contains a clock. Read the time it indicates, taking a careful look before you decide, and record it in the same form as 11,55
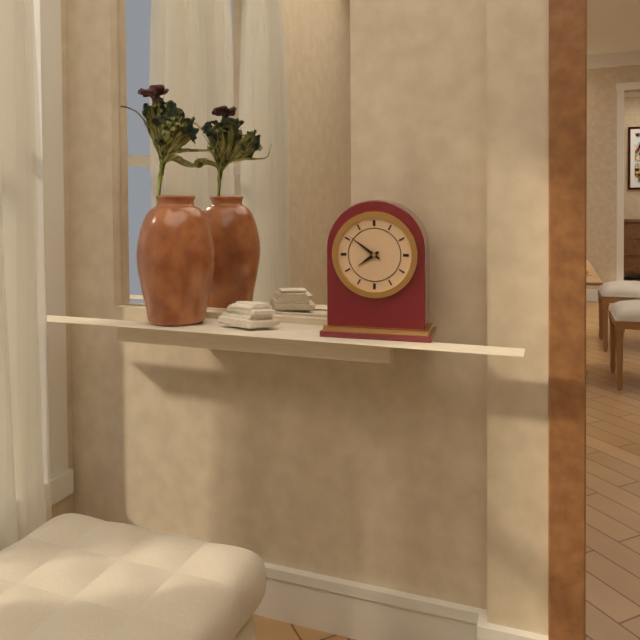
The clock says 7,51
